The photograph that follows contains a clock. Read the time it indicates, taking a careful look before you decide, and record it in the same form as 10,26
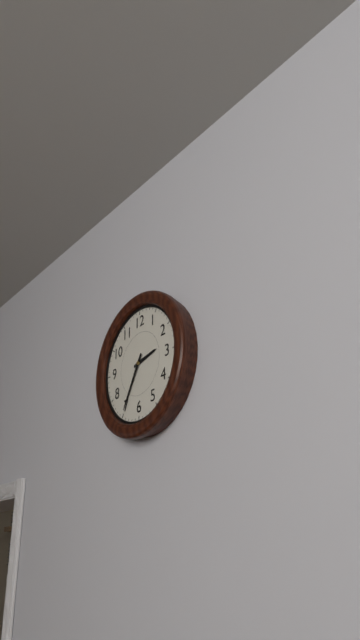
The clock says 2,35
